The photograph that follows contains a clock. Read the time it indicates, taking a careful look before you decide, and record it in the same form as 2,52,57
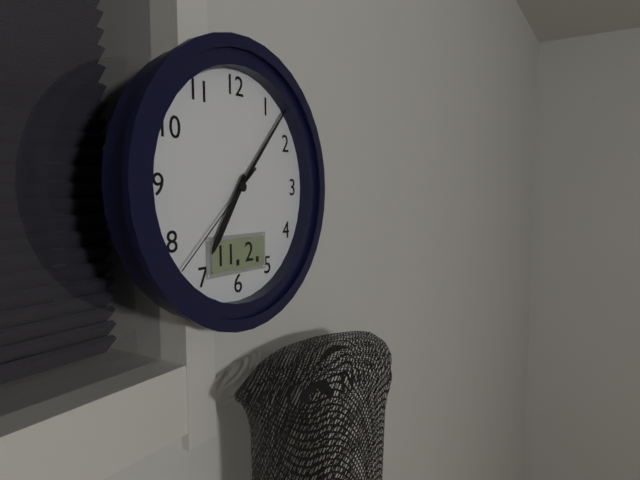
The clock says 7,07,38
